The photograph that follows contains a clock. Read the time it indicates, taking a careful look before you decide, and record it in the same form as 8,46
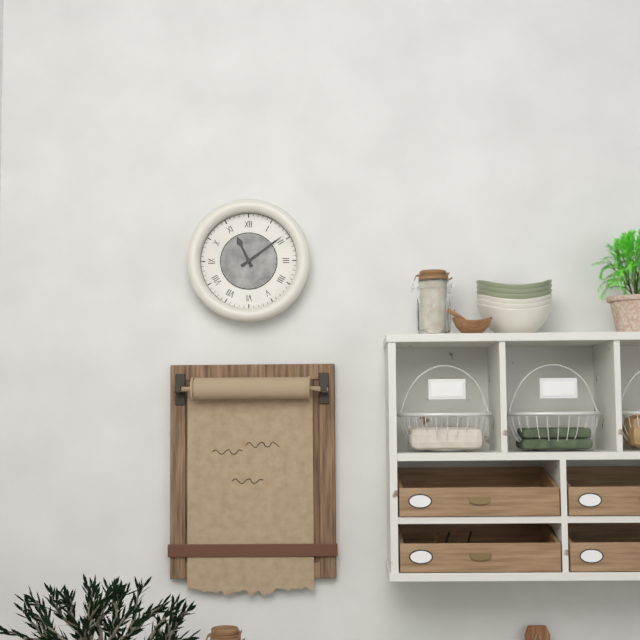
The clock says 11,09
